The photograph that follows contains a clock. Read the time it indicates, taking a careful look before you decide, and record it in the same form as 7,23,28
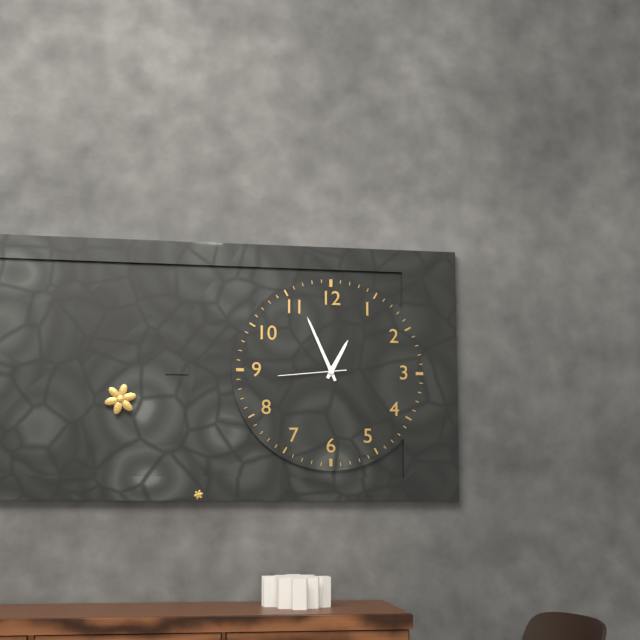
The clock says 12,56,44
